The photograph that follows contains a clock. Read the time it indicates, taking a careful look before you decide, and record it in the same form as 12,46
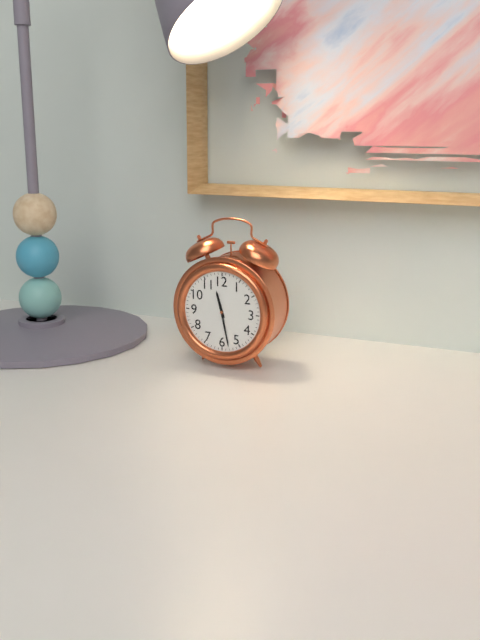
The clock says 11,28
